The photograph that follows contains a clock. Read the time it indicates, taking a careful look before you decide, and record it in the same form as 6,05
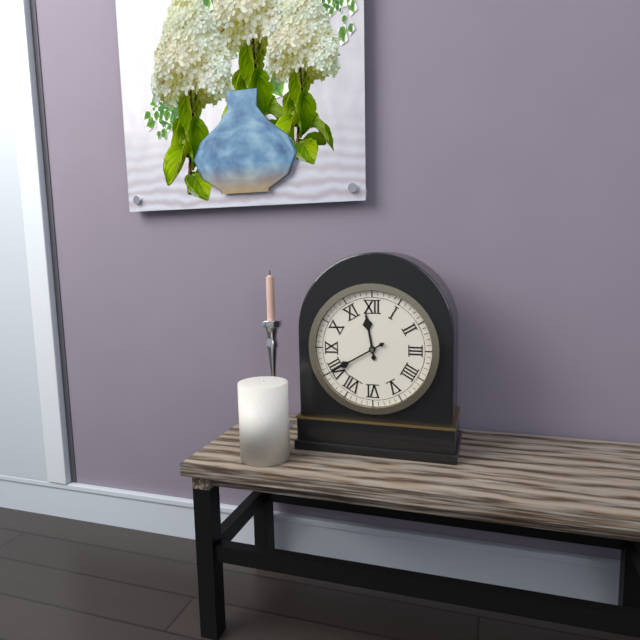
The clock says 11,40
